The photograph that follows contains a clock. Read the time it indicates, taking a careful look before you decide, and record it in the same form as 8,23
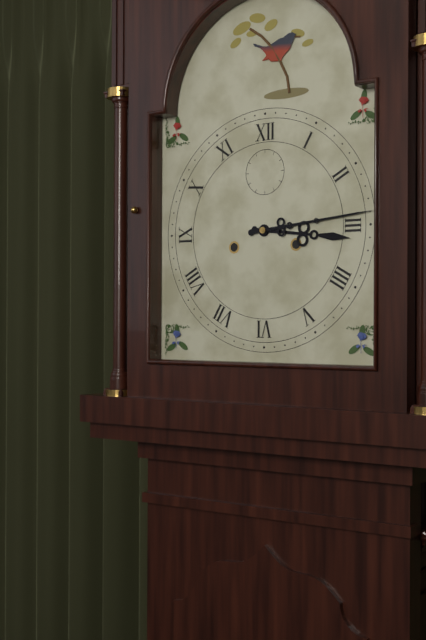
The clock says 3,14
